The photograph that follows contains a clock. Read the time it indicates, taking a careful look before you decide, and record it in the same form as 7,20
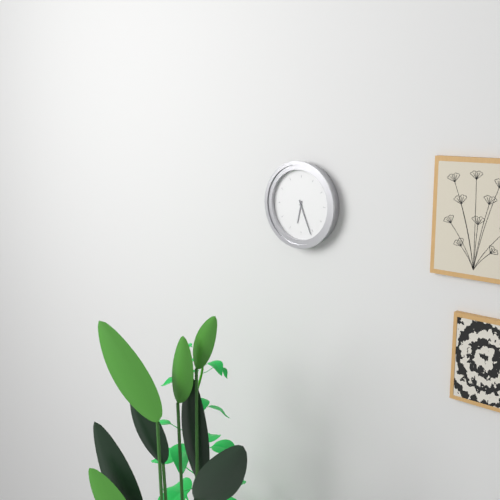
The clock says 6,26
